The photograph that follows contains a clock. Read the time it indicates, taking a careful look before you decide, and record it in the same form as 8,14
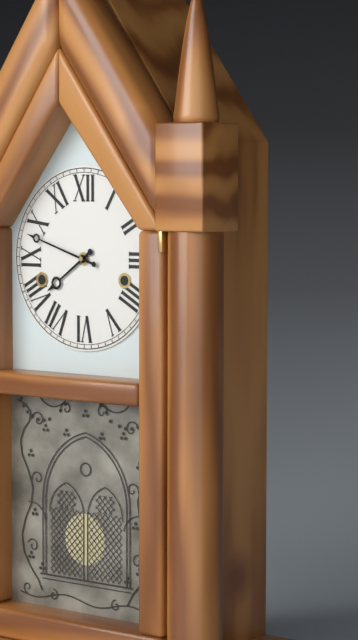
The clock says 7,48
